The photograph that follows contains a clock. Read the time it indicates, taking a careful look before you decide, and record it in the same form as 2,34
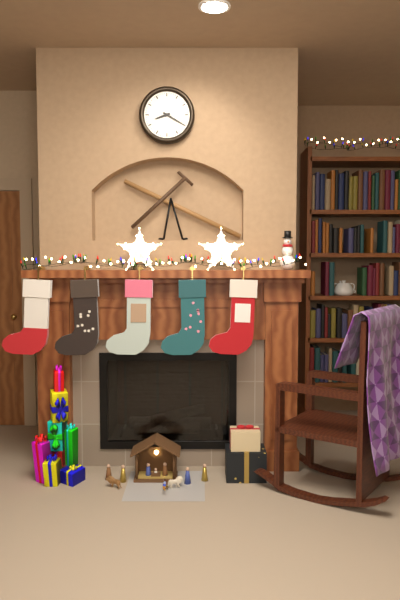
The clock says 8,20
